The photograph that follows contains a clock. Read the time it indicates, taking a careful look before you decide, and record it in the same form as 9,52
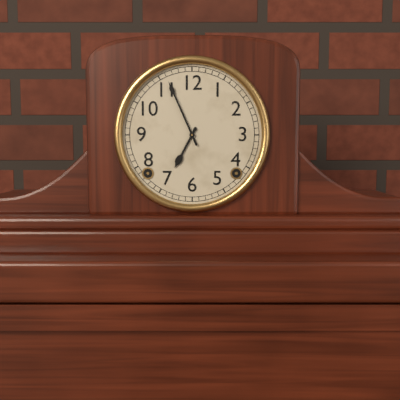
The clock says 6,56
